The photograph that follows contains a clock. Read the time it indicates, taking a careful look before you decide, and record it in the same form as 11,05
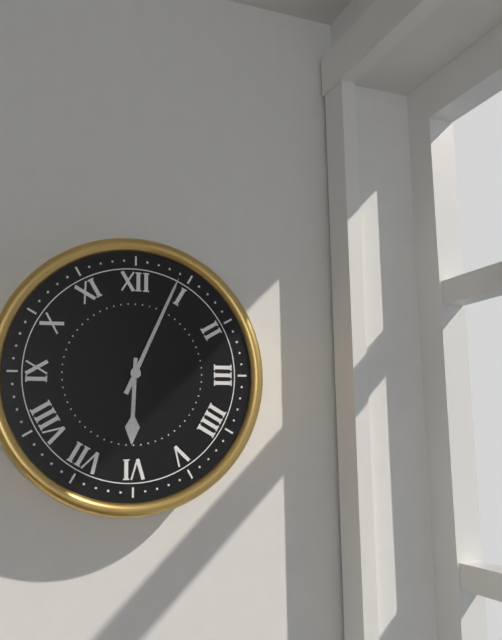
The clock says 6,04
